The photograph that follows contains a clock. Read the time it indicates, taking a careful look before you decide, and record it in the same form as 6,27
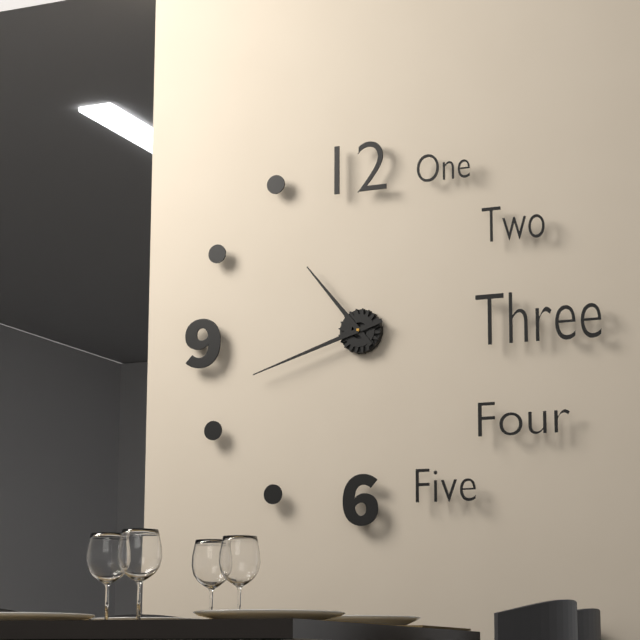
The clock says 10,42
